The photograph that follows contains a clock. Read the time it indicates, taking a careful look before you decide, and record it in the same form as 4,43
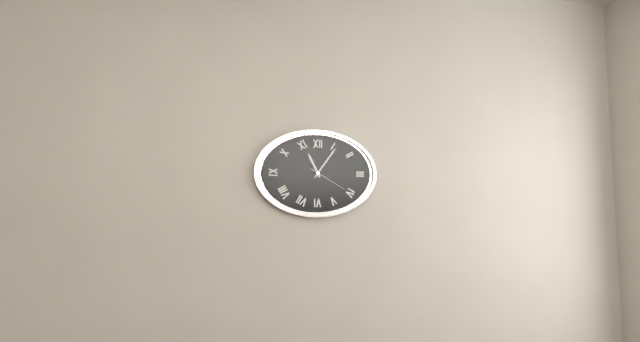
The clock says 11,06
